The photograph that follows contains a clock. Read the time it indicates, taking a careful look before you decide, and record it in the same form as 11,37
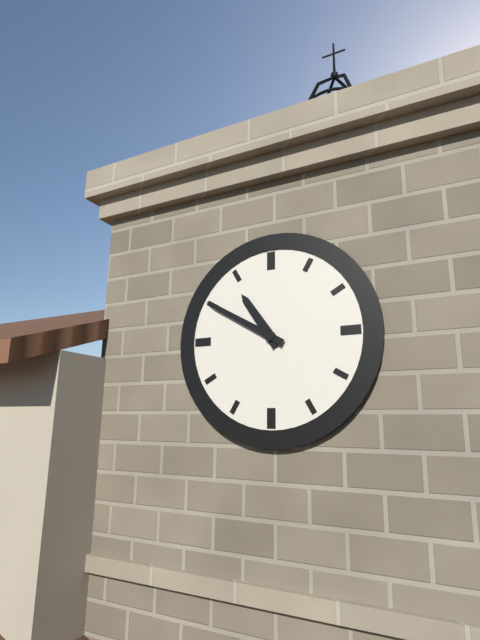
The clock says 10,50
